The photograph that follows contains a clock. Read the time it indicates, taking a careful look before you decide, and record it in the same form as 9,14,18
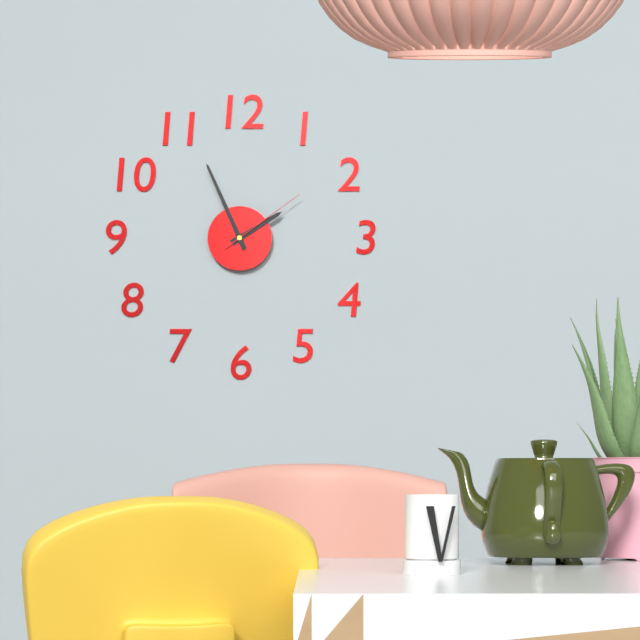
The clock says 1,56,09
